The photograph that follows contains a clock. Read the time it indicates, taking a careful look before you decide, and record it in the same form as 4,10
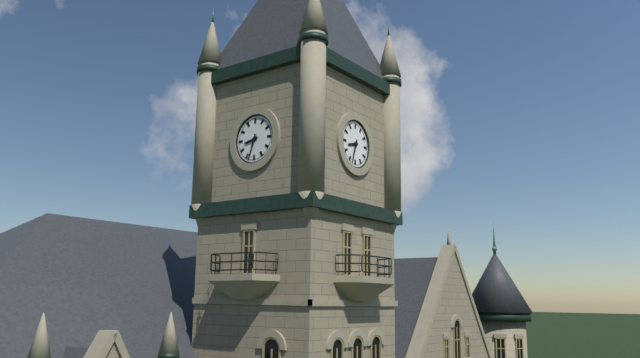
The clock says 8,33
